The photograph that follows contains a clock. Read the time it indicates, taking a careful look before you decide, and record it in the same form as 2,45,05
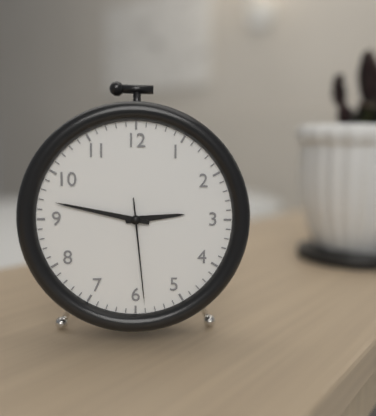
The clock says 2,47,29
